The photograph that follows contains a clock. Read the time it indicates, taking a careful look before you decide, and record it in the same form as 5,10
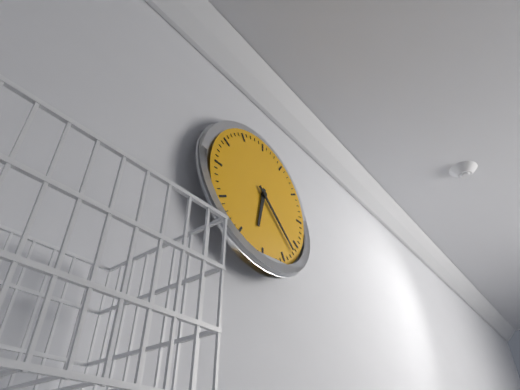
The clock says 6,22
